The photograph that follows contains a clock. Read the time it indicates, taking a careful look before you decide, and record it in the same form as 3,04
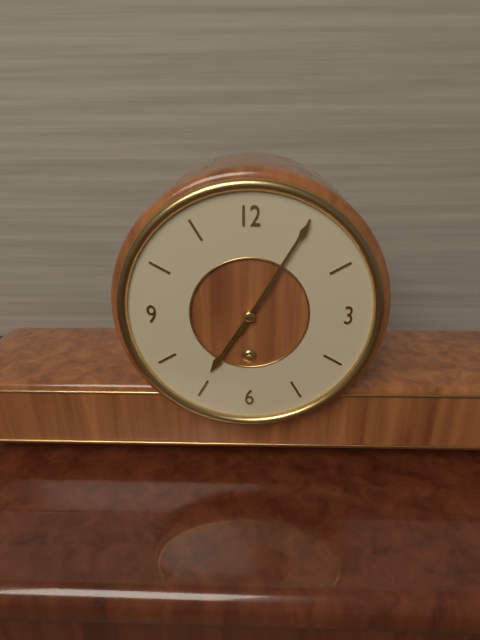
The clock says 7,05
